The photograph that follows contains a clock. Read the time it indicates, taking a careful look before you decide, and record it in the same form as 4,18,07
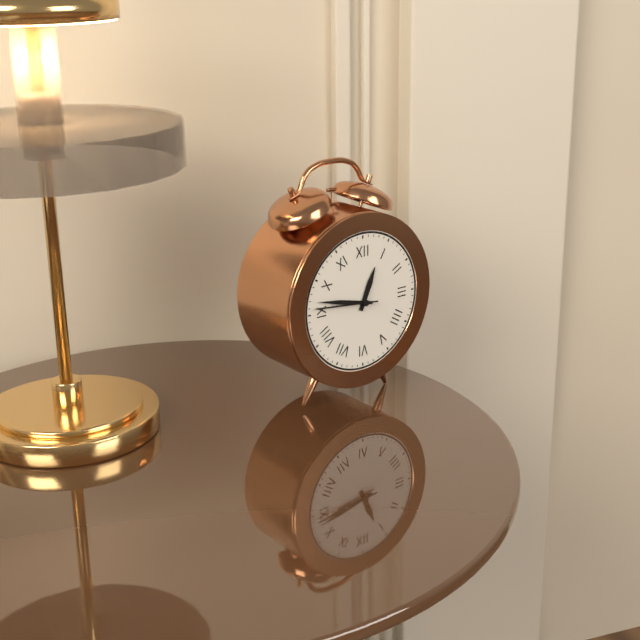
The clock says 12,47,46
